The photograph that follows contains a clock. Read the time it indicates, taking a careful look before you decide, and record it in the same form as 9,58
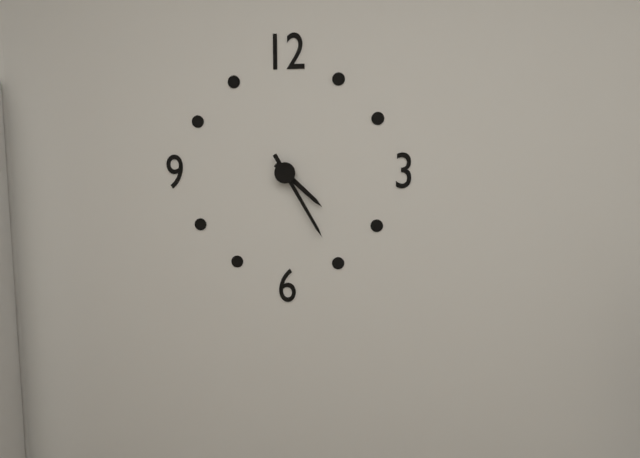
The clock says 4,25
